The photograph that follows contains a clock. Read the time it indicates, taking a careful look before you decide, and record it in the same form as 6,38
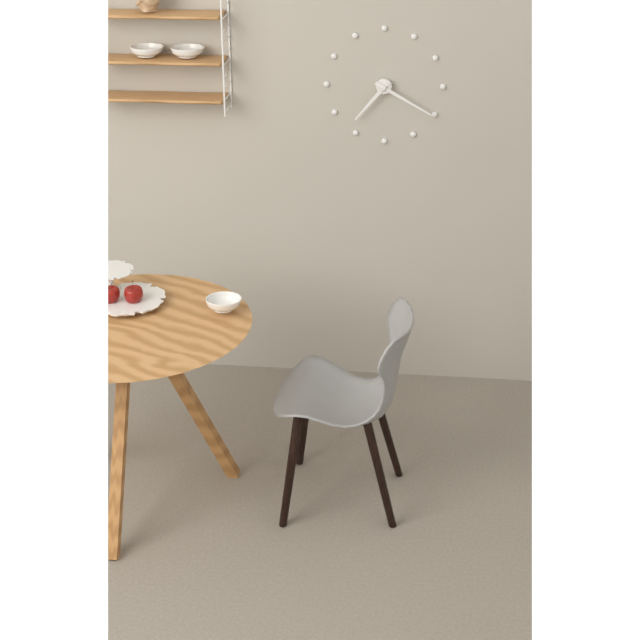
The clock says 7,20
